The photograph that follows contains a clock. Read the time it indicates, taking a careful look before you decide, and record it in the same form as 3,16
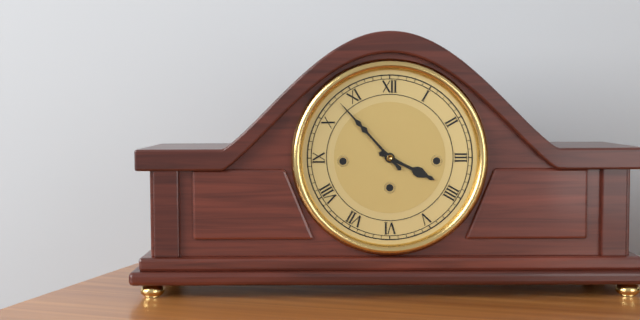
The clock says 3,53
